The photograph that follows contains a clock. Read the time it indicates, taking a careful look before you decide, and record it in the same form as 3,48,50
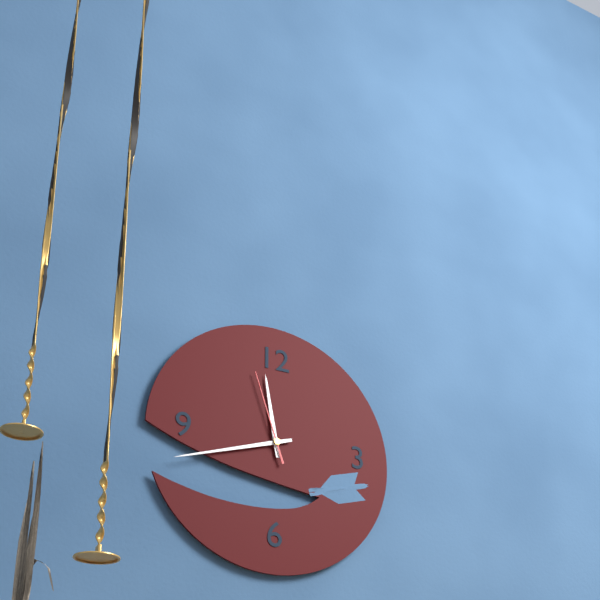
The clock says 11,42,57
